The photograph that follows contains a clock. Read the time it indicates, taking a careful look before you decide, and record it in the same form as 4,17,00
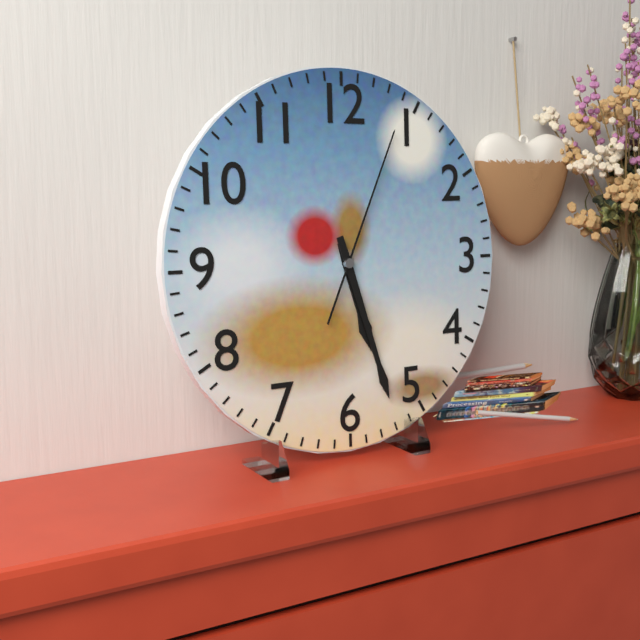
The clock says 5,27,04
